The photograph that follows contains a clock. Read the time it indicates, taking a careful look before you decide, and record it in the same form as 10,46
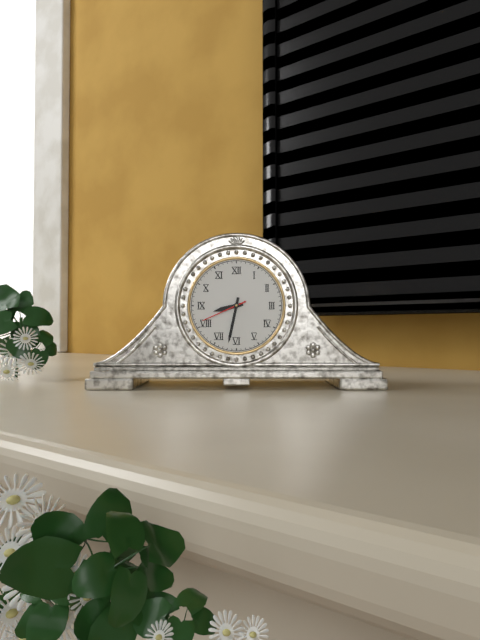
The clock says 8,32
